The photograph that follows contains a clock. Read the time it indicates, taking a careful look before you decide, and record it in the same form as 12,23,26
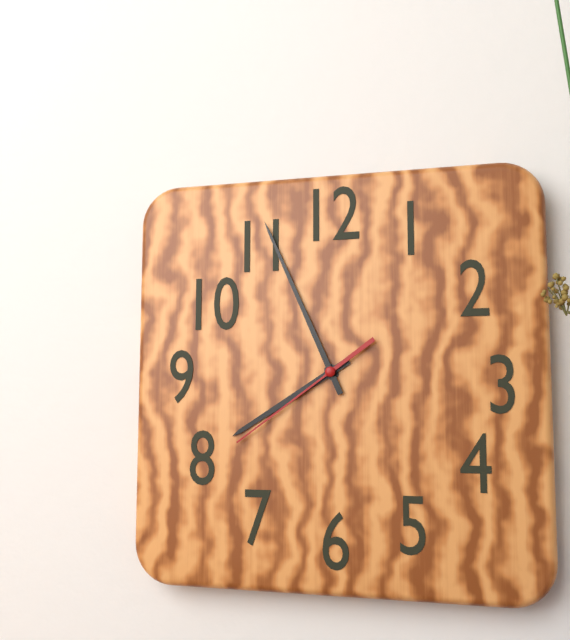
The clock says 7,56,39
